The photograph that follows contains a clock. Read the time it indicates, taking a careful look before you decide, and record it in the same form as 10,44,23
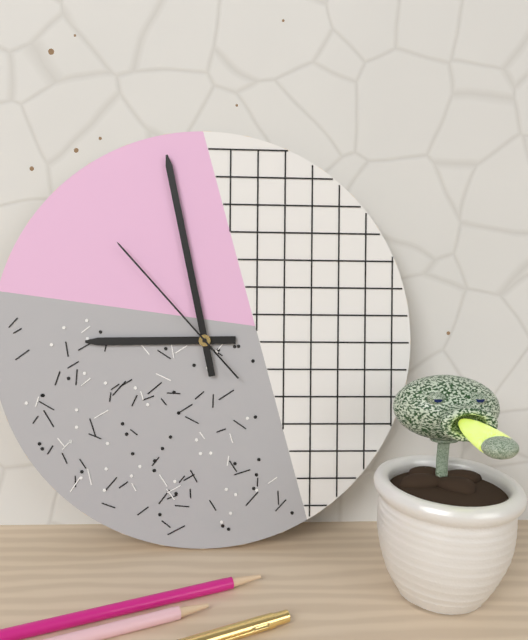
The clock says 8,58,53
